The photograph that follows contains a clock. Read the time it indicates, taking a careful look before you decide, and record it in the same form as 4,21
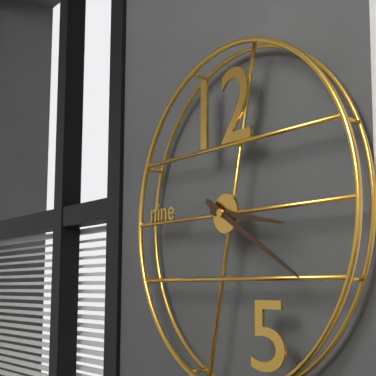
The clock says 3,20
